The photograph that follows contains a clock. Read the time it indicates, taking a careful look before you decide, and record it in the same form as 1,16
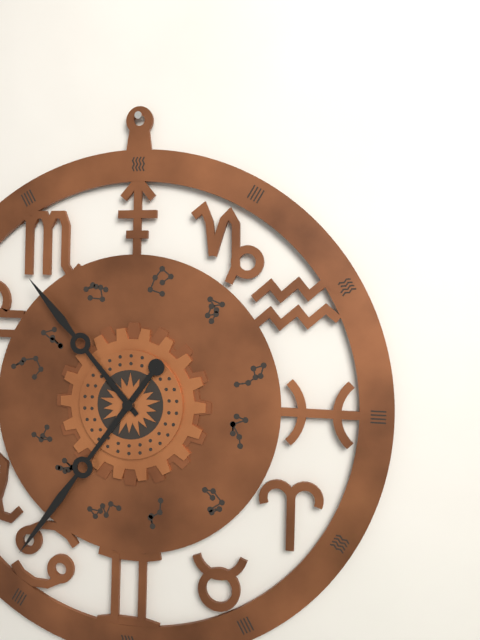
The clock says 10,36
